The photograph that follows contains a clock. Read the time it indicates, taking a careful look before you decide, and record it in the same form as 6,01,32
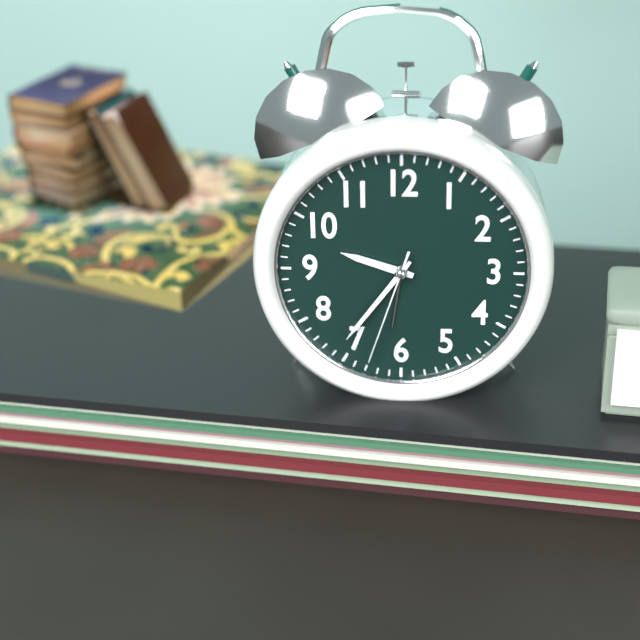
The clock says 9,36,33
